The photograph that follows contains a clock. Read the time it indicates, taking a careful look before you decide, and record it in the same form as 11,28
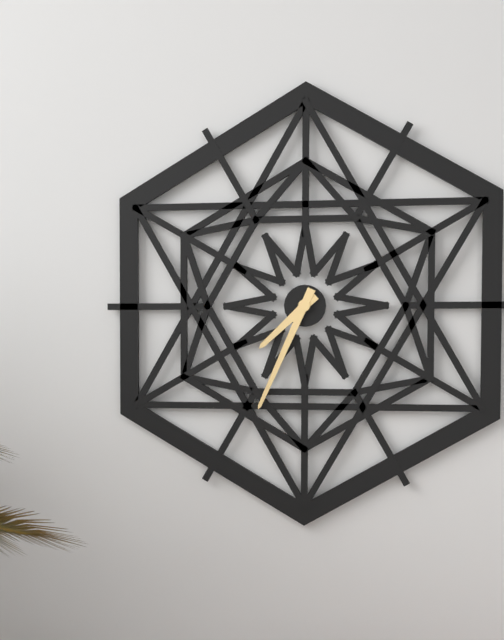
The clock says 7,34
